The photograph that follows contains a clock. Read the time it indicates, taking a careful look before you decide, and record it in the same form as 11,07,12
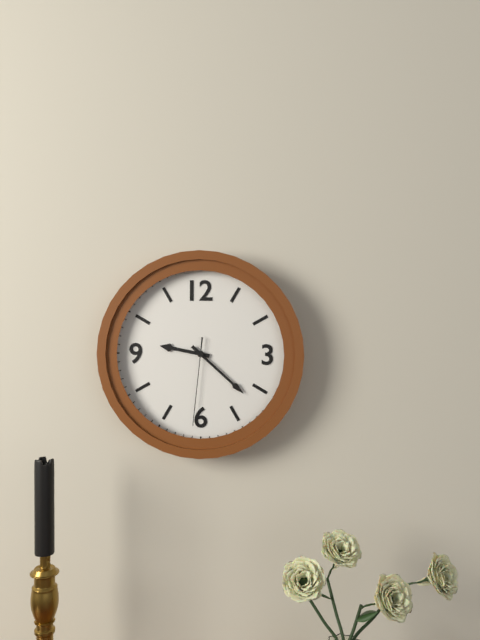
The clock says 9,22,31
